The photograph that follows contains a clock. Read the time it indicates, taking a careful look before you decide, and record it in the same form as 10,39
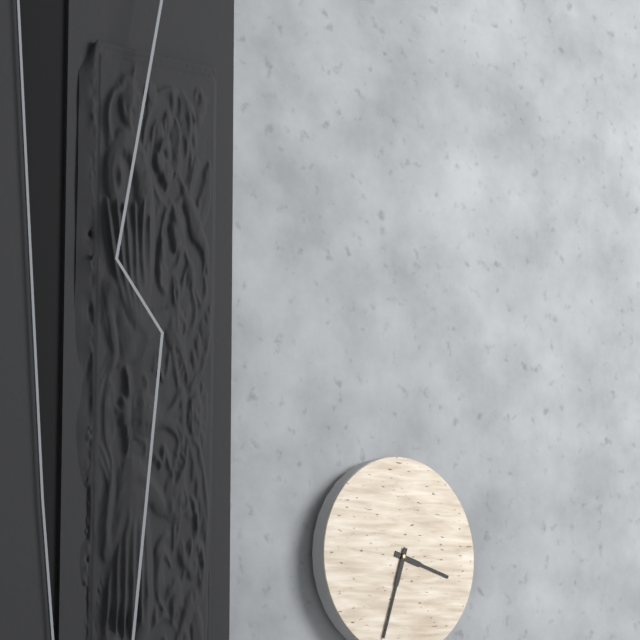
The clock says 3,33
